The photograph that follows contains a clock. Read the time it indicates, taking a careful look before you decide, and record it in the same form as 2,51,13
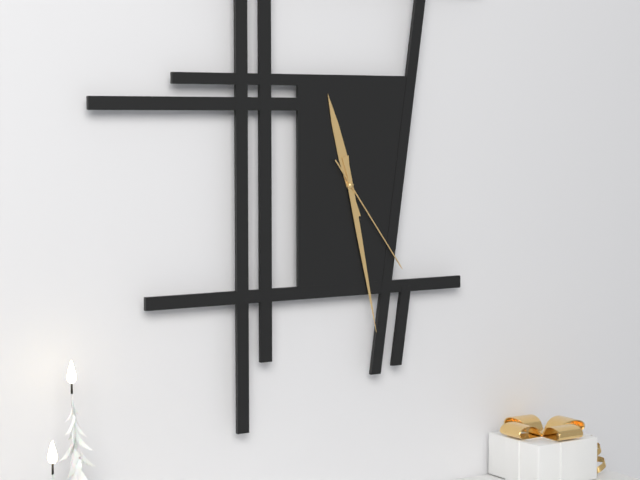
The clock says 11,28,24
